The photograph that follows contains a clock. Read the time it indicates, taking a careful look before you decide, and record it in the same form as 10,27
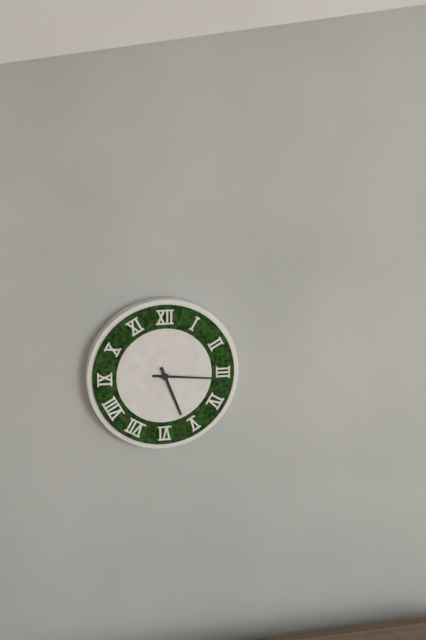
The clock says 5,16
